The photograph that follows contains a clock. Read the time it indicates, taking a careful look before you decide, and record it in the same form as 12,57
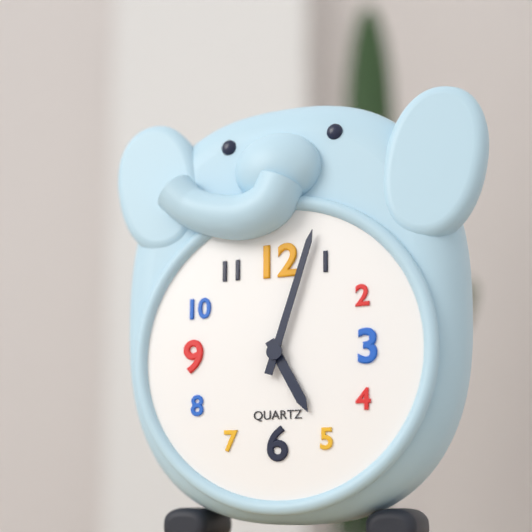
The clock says 5,03
